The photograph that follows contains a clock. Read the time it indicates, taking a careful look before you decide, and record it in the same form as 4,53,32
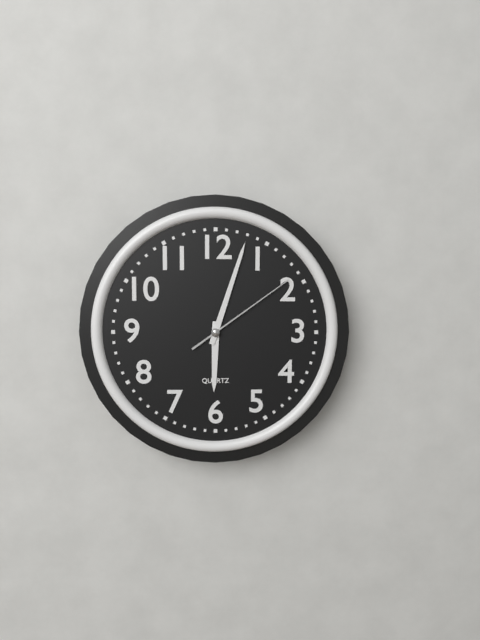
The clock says 6,03,09
